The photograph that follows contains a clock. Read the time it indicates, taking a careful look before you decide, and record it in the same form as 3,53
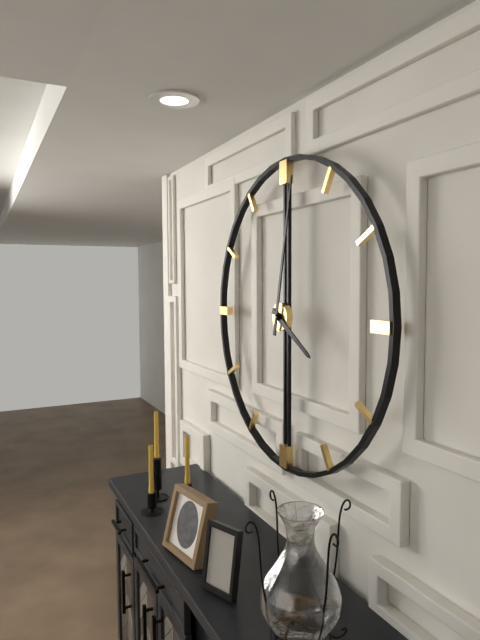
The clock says 4,02
